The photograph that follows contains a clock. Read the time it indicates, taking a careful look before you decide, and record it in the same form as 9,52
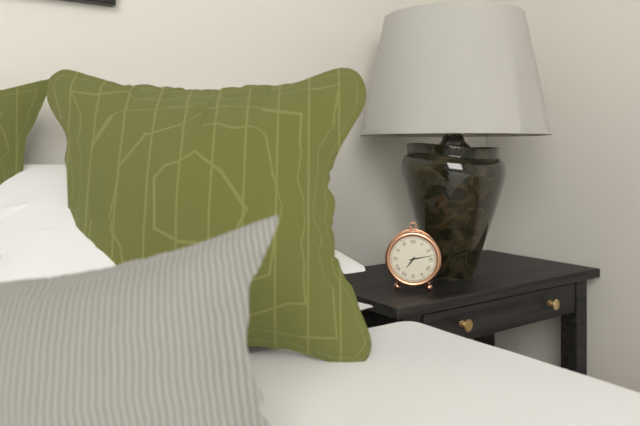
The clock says 7,13
